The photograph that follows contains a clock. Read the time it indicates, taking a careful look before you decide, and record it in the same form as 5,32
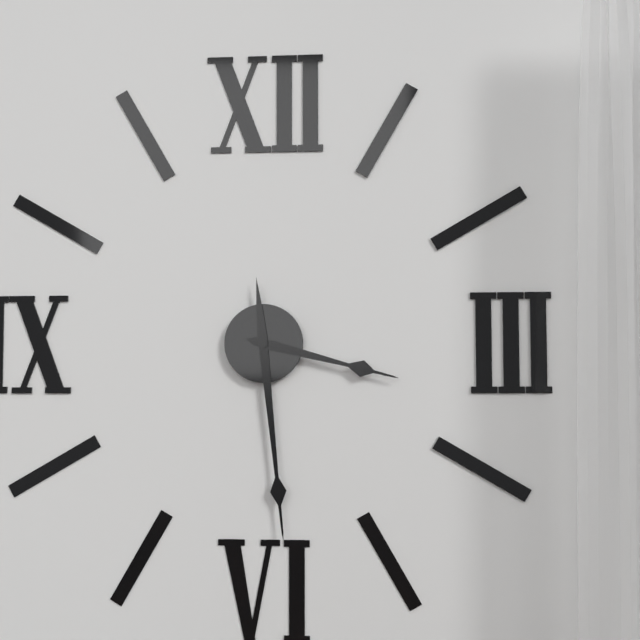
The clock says 3,29
